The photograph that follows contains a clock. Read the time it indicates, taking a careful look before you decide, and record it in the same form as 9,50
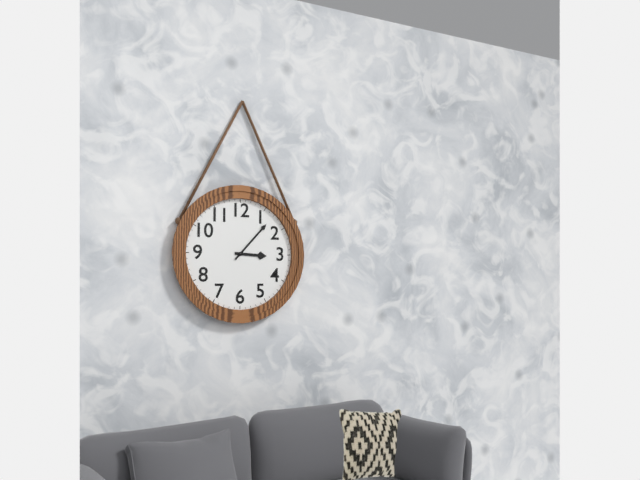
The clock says 3,07
